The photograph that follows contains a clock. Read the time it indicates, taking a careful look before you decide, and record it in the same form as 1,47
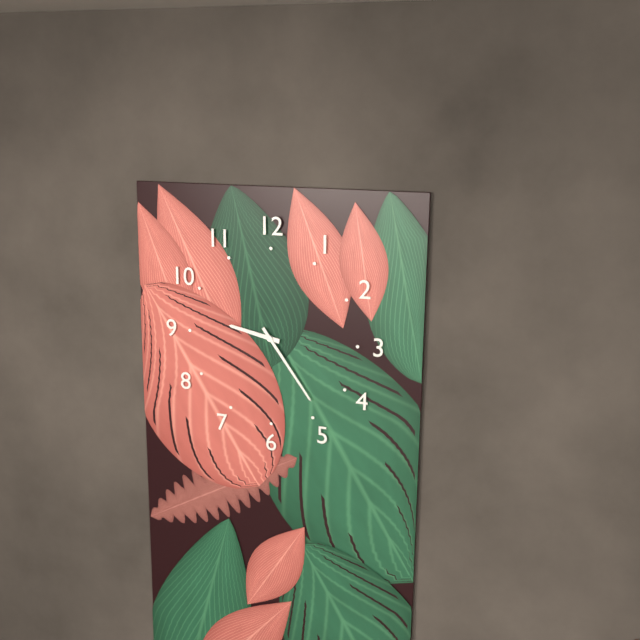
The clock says 9,24
